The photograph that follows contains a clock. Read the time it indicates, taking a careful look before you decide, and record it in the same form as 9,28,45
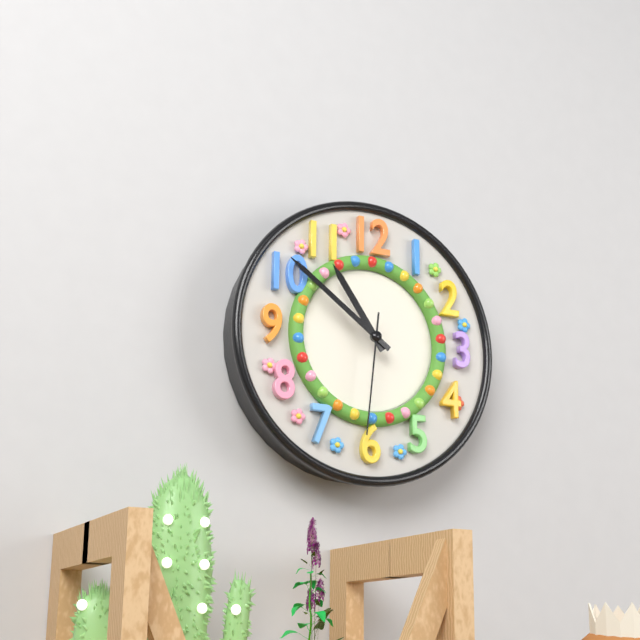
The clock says 10,51,31
